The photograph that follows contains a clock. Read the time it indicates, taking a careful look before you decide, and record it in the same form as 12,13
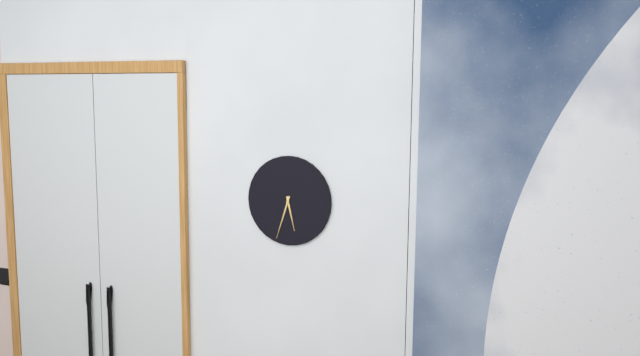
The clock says 5,33
